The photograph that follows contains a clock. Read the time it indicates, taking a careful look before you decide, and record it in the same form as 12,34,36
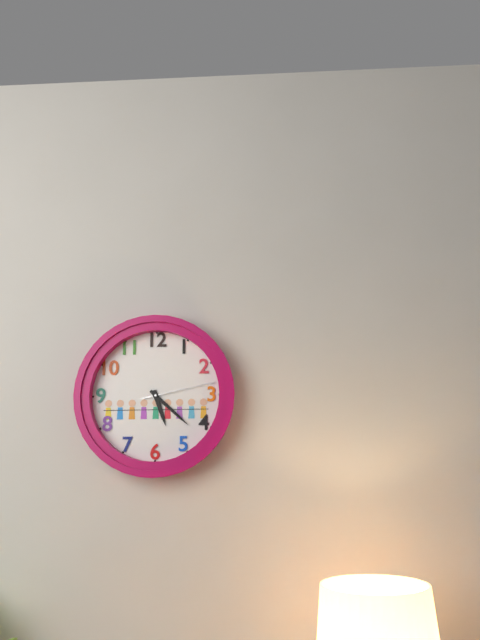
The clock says 5,22,13
